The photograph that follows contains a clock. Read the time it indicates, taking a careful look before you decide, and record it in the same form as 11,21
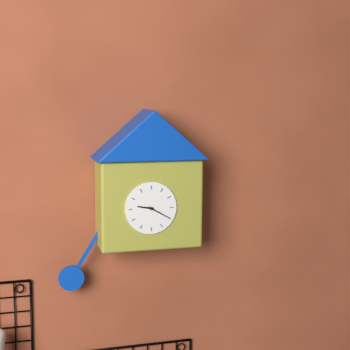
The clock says 9,20
